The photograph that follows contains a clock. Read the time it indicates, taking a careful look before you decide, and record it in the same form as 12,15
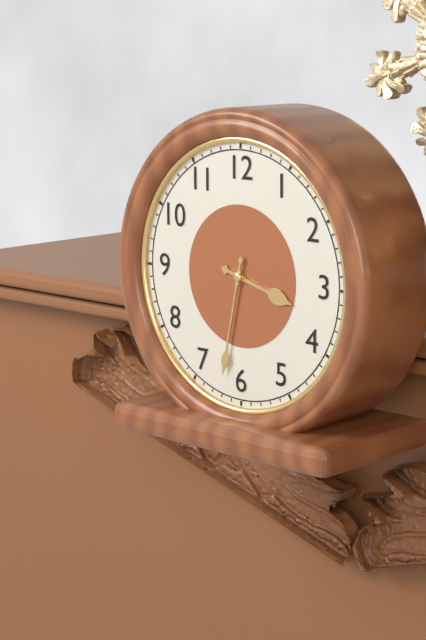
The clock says 3,32
